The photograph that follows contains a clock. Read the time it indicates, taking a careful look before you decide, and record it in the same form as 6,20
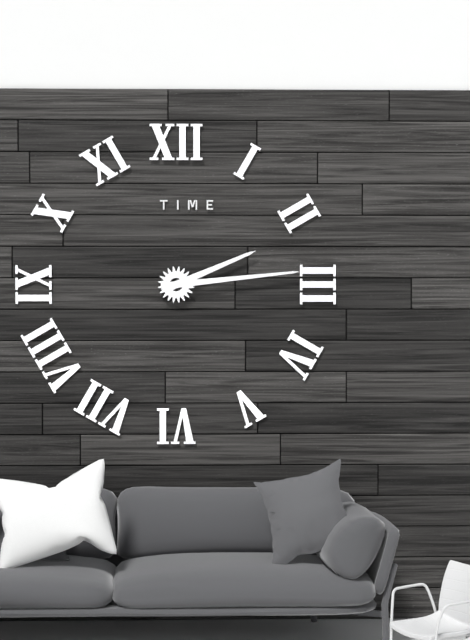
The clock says 2,14
